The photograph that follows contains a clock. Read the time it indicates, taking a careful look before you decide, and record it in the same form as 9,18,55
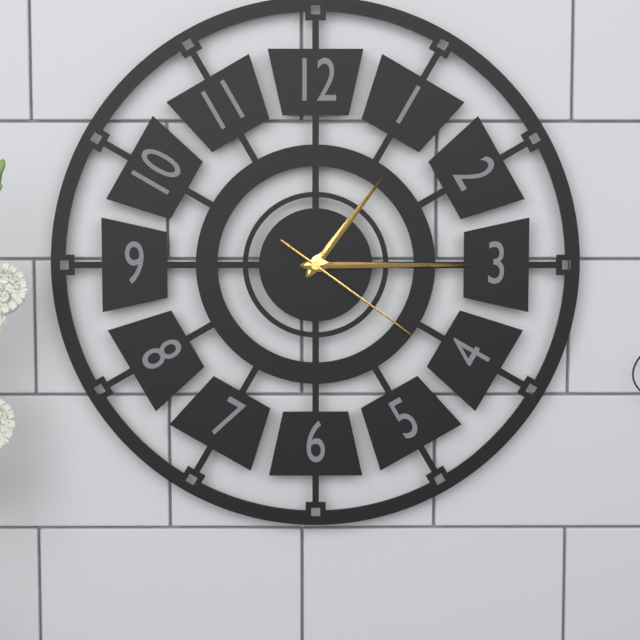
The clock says 1,15,21
